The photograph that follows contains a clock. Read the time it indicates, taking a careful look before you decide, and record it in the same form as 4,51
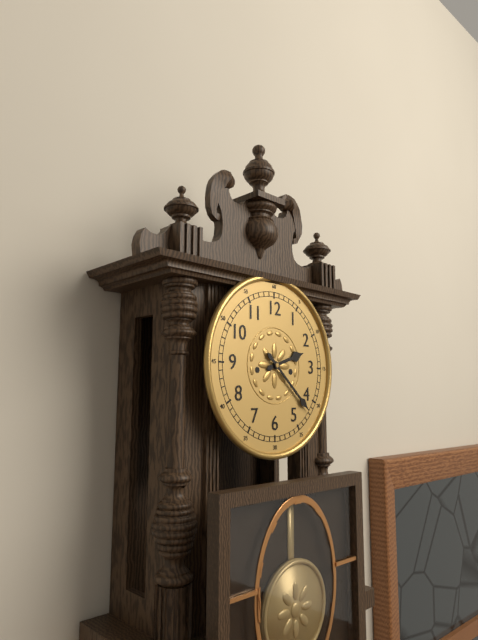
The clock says 2,22
